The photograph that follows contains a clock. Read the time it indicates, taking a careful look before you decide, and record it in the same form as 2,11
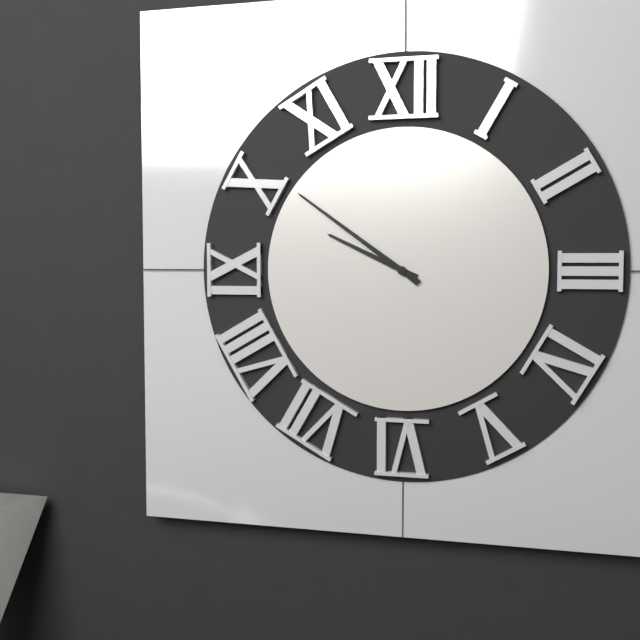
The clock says 9,51
